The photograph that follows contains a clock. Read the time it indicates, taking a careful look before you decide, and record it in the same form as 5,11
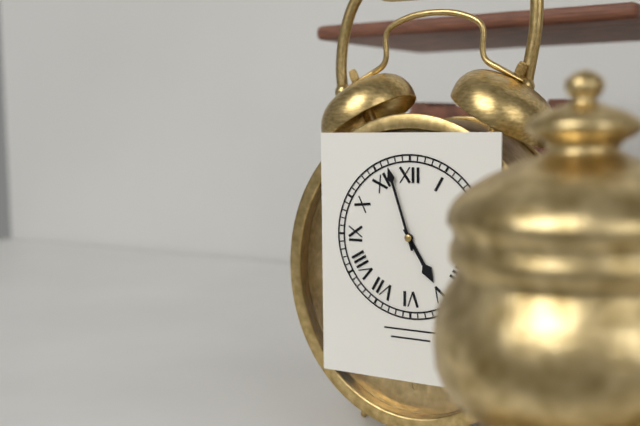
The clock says 4,57
